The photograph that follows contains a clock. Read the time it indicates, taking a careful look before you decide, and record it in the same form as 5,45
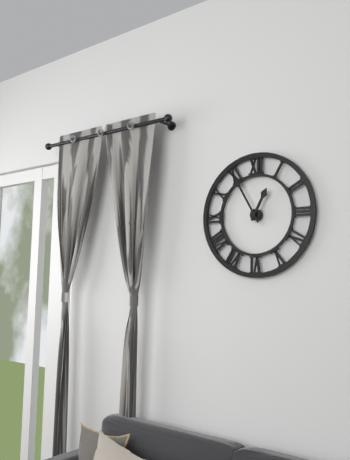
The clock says 12,55
